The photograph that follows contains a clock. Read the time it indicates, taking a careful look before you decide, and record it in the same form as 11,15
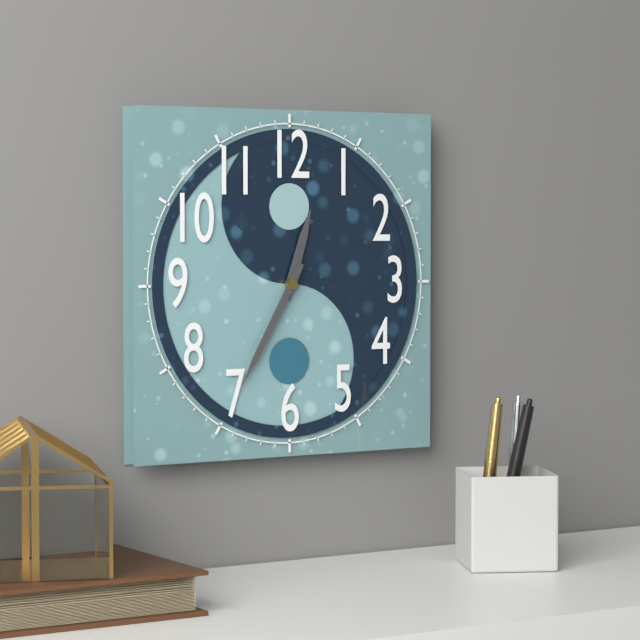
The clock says 12,35
